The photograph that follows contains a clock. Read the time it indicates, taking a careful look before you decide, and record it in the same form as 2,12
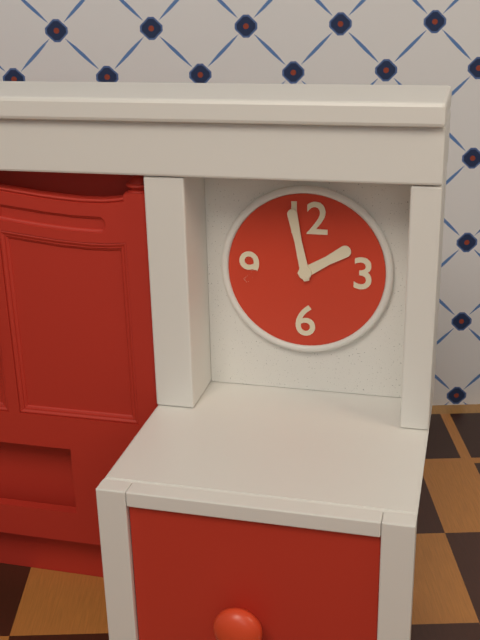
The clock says 1,58
